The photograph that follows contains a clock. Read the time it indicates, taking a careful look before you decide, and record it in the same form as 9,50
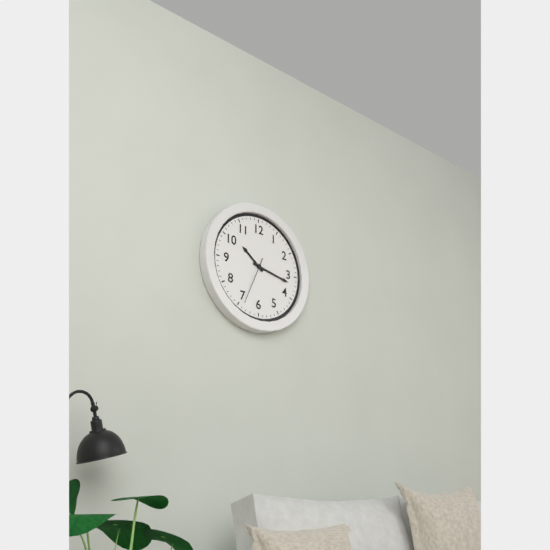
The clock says 10,17
